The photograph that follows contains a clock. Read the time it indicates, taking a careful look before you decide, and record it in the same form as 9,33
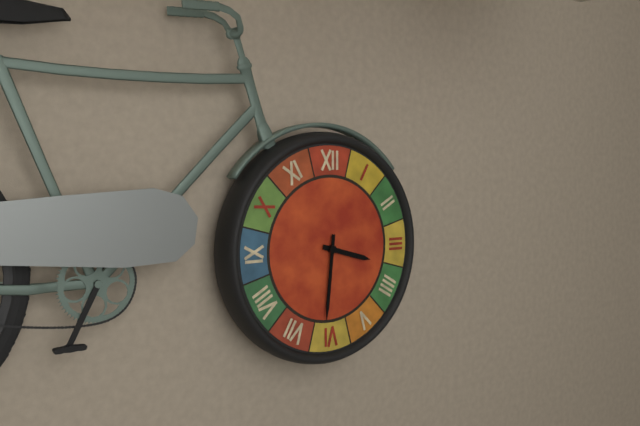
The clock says 3,31
